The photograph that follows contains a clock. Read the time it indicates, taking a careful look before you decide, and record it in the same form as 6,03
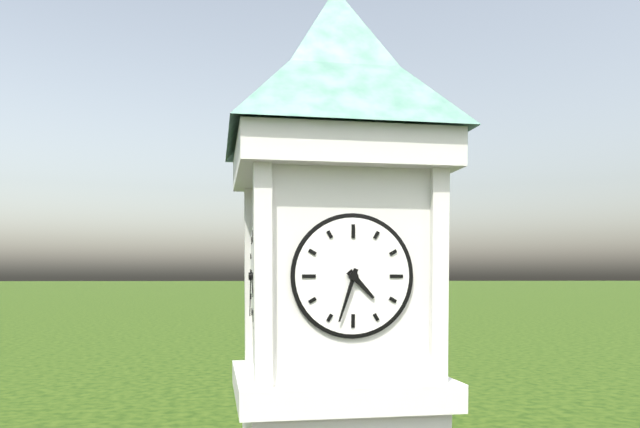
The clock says 4,33
